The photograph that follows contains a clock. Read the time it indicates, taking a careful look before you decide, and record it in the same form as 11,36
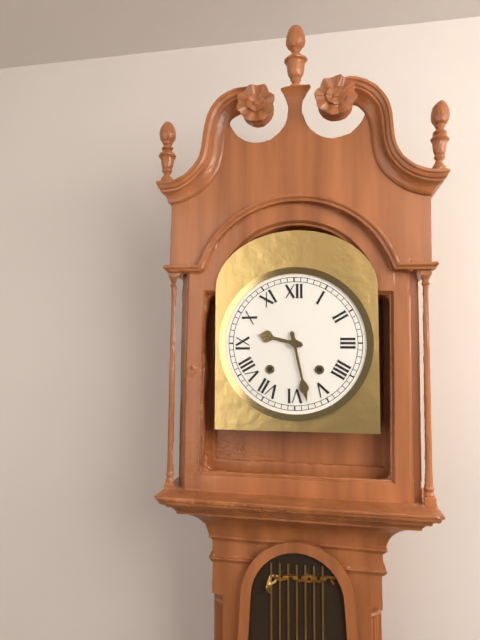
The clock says 9,28
